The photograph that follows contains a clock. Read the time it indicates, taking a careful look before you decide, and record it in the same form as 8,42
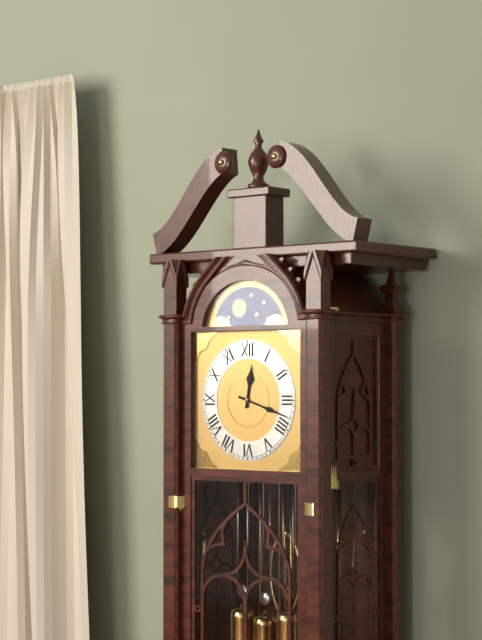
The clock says 12,18
